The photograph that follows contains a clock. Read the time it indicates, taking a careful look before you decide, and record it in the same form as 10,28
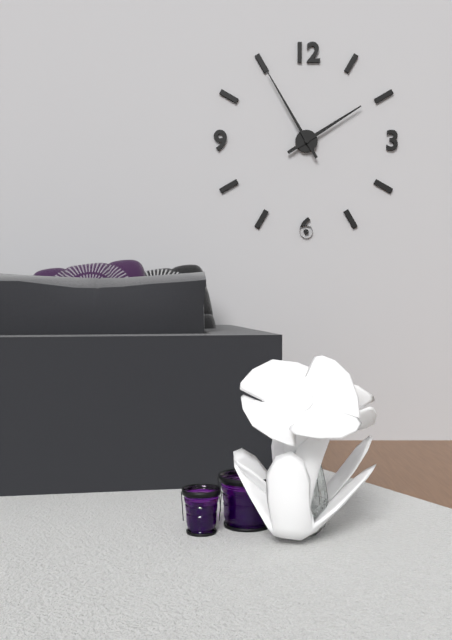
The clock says 1,55
